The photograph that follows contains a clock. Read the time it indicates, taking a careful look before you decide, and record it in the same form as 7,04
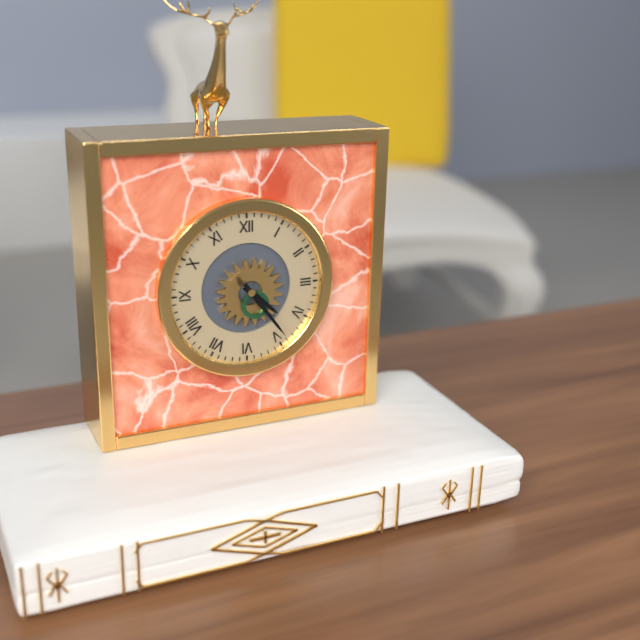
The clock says 4,24
